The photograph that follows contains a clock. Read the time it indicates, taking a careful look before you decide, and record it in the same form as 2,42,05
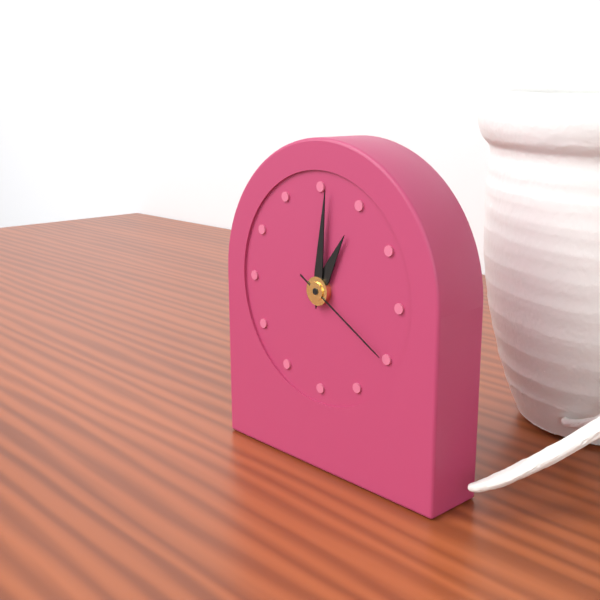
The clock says 1,01,20
